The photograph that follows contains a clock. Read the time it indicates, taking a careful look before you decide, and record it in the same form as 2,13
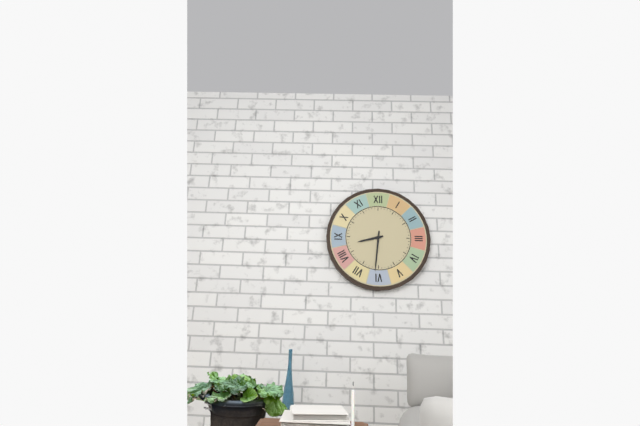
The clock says 8,31
